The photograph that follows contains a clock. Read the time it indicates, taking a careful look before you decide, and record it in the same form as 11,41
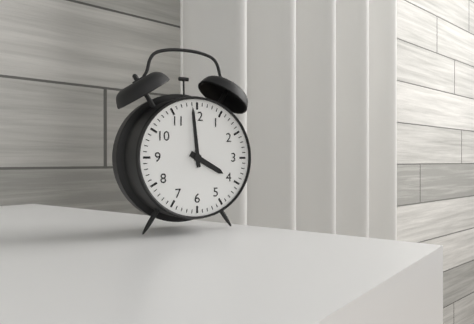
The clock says 3,59
